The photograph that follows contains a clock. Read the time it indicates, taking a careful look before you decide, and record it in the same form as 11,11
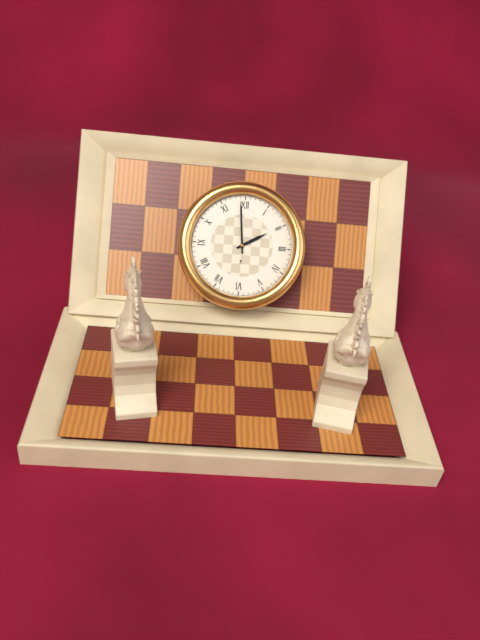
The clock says 1,59
